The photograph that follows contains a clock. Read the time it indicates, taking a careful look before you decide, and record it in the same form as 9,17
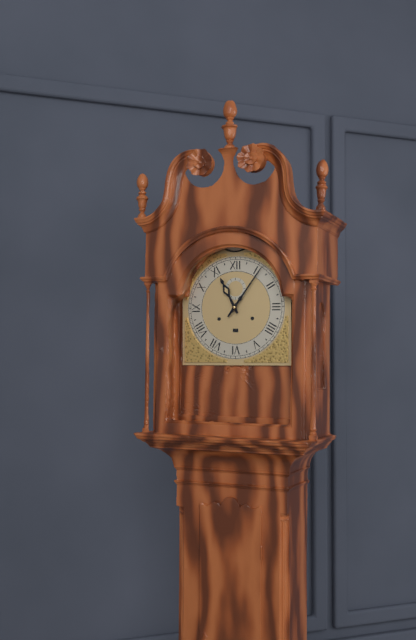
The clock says 11,06
